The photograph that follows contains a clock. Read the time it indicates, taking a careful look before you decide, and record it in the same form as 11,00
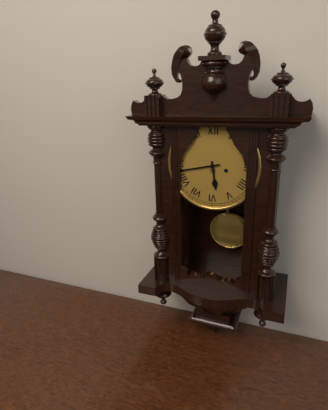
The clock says 5,43
